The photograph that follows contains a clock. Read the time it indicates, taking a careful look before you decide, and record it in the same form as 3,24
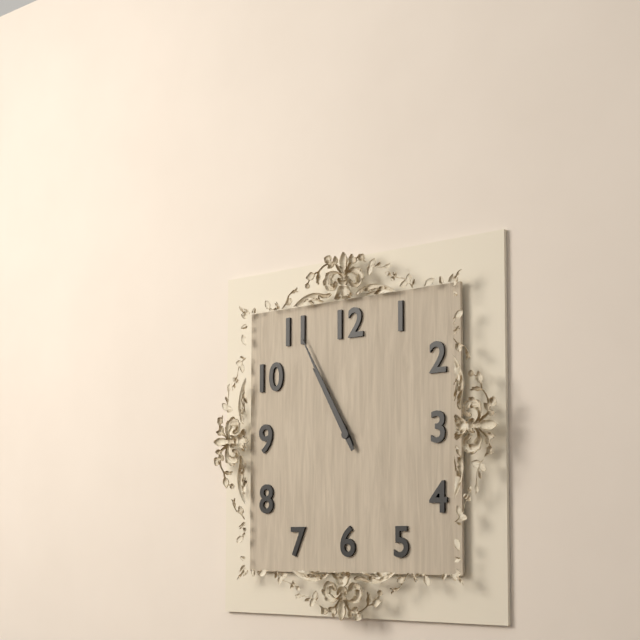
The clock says 10,55
